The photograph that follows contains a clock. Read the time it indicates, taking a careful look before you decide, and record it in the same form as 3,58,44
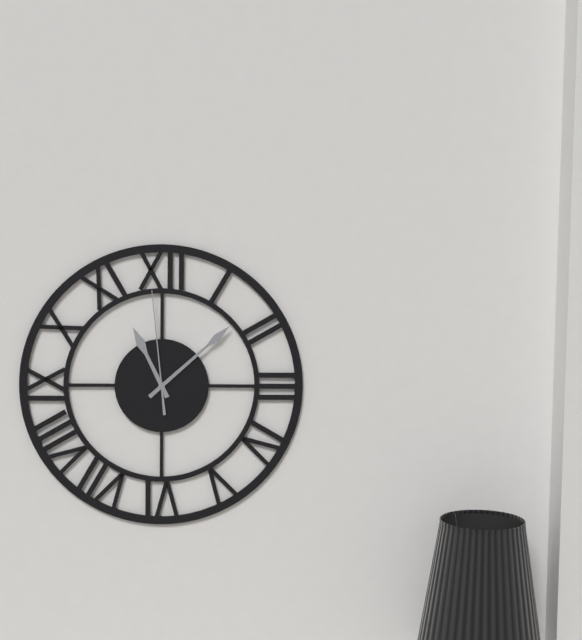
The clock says 11,08,59
